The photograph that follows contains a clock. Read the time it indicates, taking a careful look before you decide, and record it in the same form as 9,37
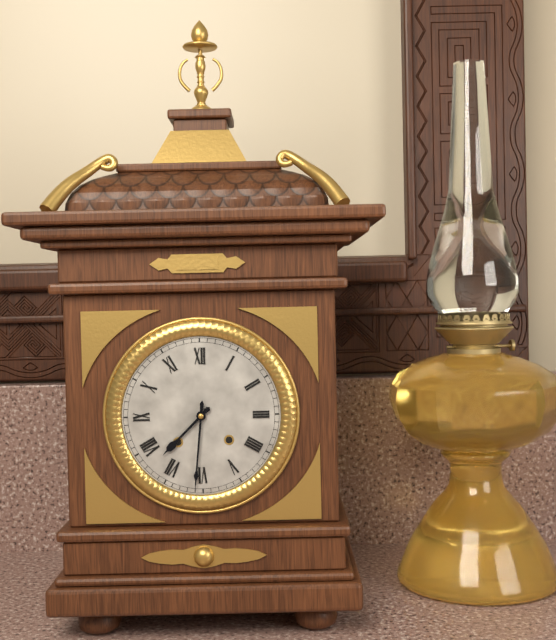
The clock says 7,31
